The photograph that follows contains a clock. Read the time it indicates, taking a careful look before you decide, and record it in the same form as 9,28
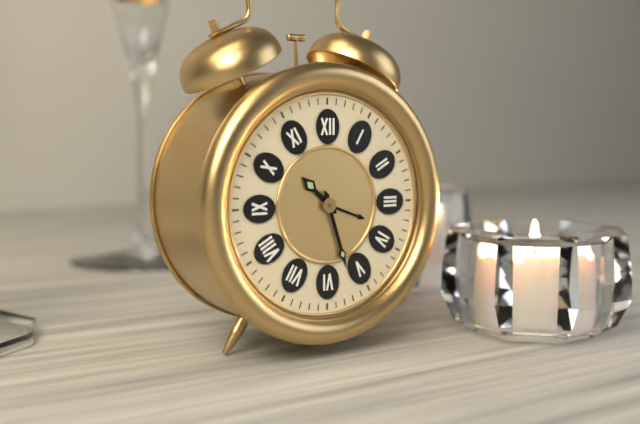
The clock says 10,27
